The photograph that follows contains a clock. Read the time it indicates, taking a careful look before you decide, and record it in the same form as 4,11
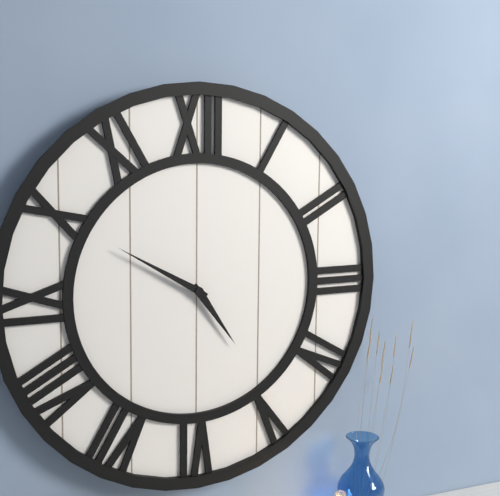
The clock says 4,50
